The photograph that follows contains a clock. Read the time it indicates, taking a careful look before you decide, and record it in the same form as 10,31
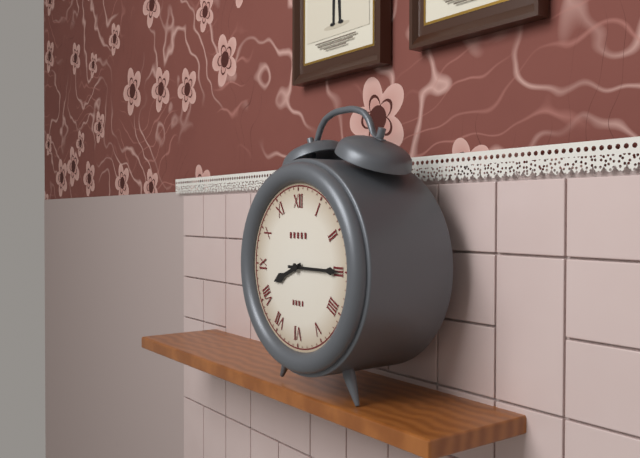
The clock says 8,15
